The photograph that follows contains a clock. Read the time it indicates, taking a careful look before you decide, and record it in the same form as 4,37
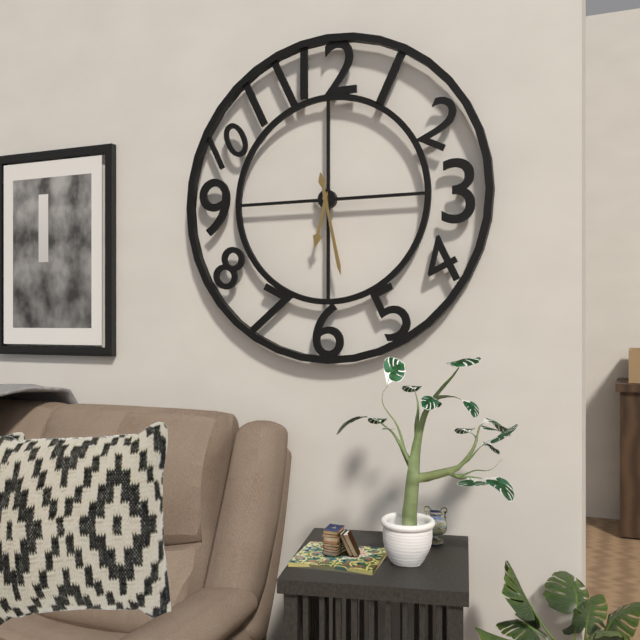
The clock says 6,28
